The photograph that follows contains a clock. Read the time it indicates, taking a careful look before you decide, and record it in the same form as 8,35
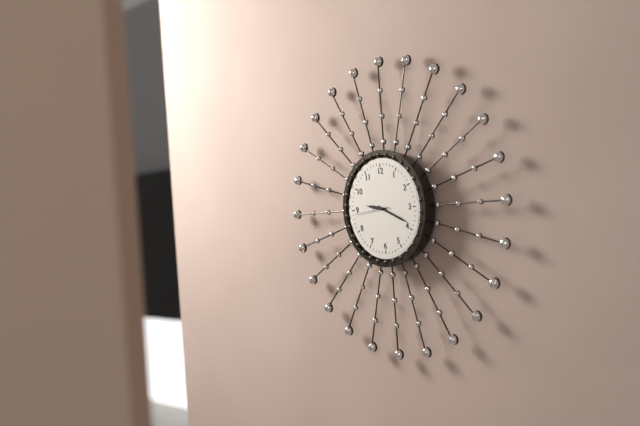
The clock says 9,19
